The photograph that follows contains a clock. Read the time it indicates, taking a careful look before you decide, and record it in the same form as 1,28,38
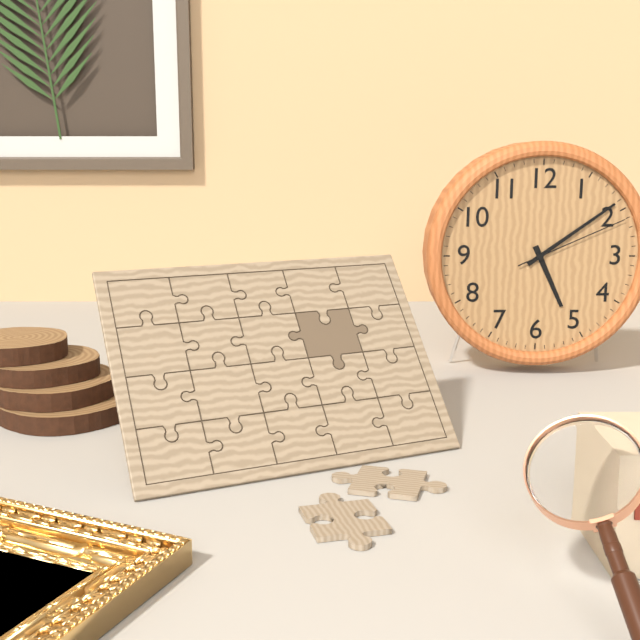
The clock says 5,09,11
